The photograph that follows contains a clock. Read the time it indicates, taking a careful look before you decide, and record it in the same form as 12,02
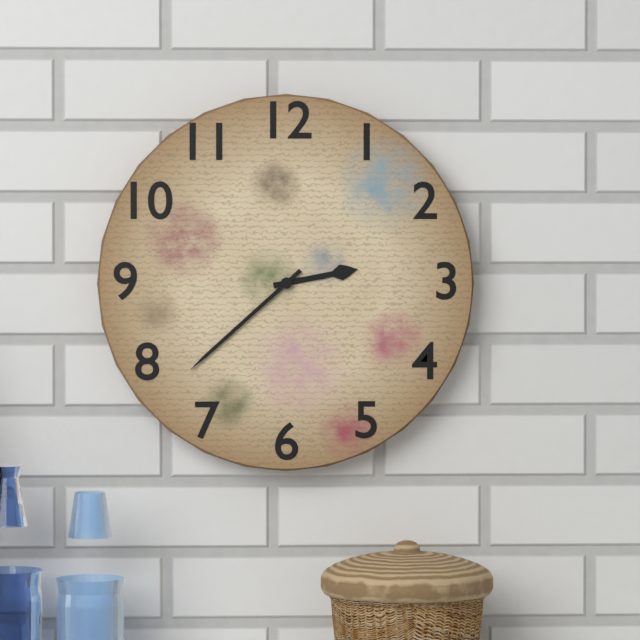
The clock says 2,38
